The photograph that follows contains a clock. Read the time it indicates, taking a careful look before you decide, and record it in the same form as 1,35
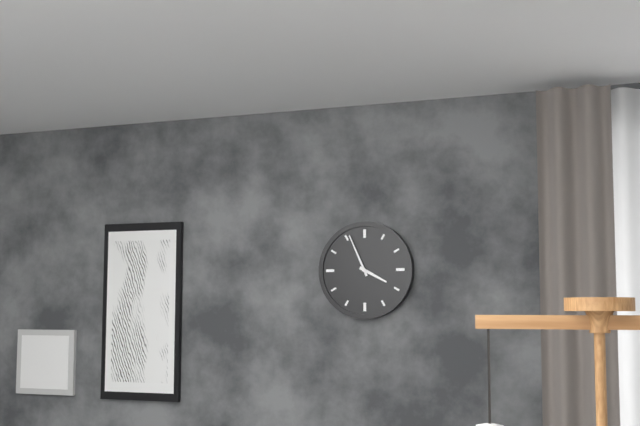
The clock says 3,56
